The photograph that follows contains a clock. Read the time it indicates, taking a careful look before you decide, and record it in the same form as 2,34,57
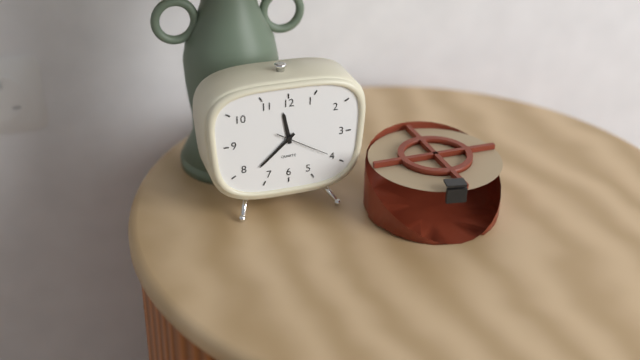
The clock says 11,38,20
